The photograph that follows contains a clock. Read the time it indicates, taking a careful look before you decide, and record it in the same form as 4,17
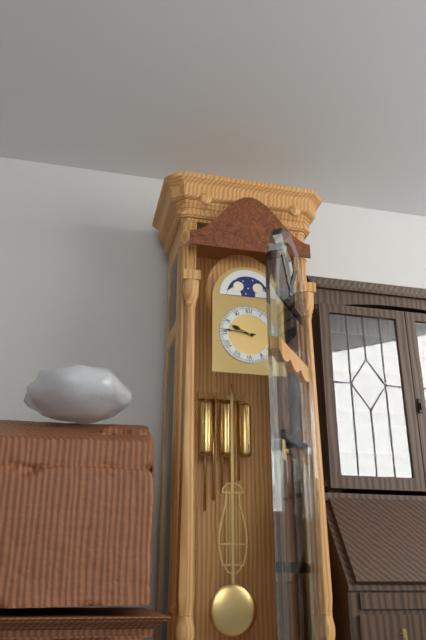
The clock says 9,46
